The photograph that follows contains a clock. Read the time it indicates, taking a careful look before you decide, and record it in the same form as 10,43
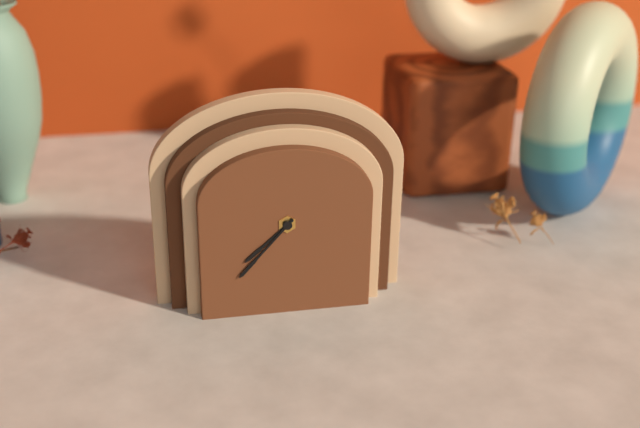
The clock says 7,37
